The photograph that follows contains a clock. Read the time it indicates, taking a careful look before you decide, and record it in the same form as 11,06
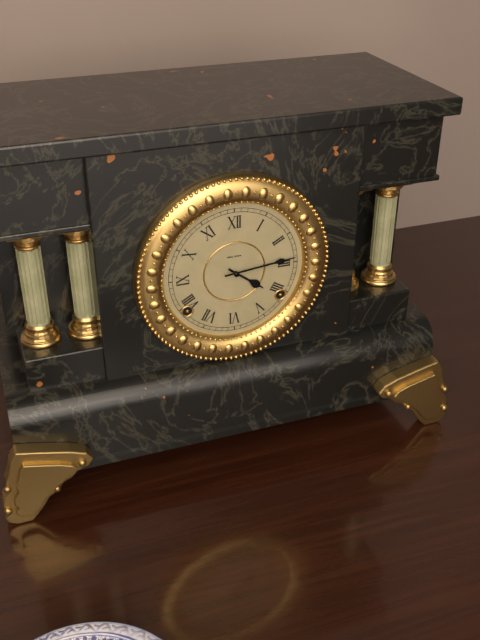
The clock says 4,14
